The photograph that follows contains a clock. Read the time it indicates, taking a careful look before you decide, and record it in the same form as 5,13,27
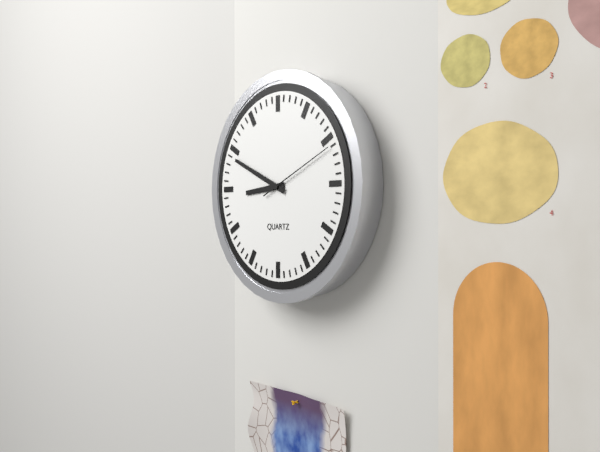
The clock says 8,49,11
